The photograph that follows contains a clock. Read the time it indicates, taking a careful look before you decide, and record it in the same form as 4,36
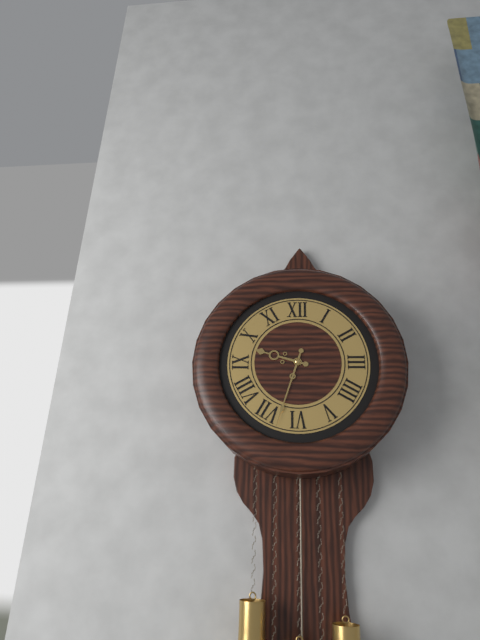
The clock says 9,33
